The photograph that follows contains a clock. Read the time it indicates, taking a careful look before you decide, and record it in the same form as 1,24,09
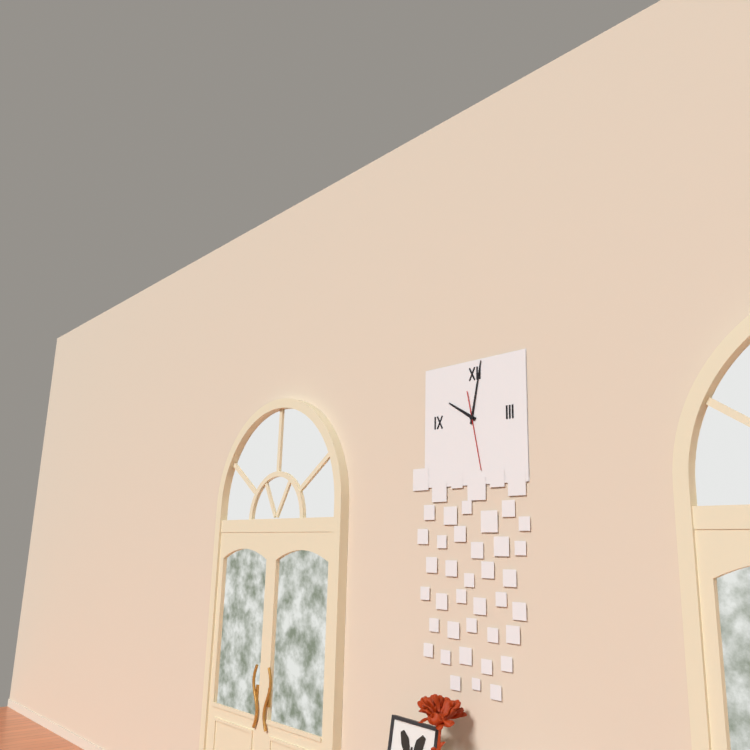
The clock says 10,02,28
